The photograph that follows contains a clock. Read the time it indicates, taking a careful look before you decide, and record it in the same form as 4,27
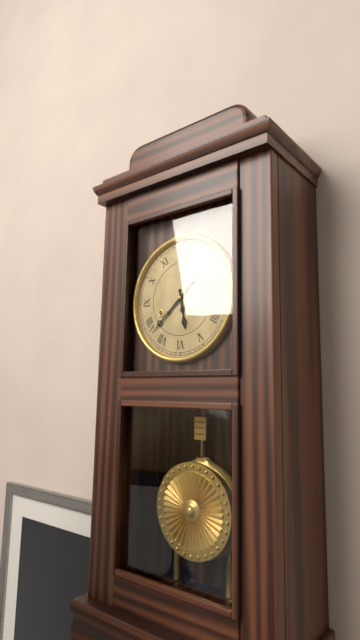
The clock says 5,38
